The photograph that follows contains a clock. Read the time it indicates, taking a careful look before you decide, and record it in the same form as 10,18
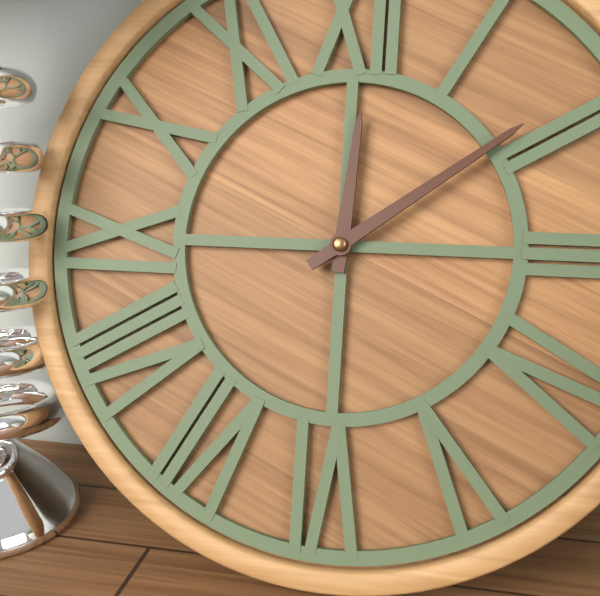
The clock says 12,09
